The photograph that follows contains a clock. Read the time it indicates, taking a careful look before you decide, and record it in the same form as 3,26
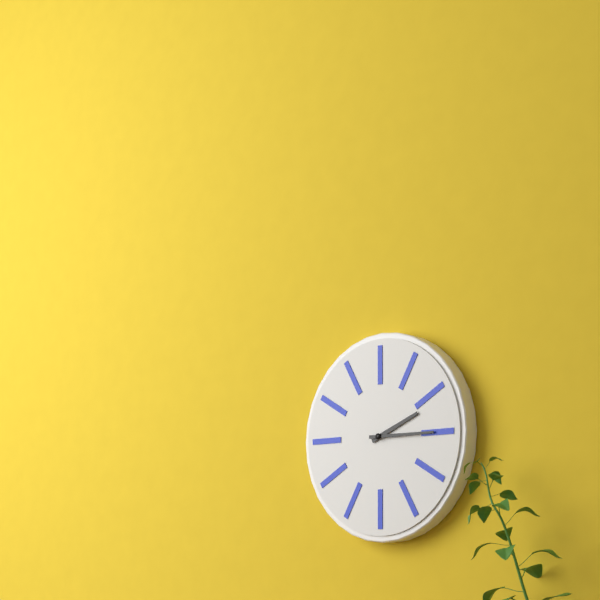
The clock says 2,15
